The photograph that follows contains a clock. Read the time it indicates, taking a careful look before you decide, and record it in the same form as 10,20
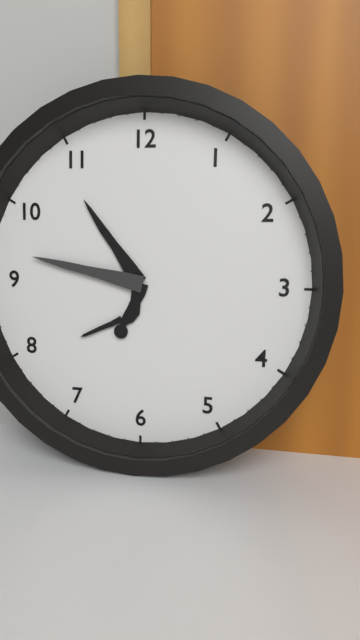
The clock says 10,47
